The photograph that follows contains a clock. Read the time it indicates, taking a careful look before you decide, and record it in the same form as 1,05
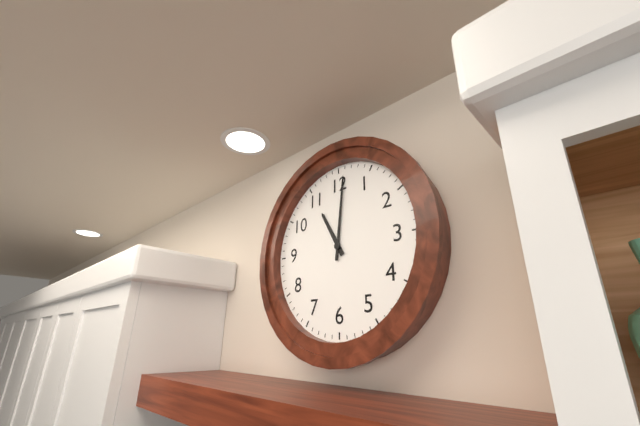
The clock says 11,01
